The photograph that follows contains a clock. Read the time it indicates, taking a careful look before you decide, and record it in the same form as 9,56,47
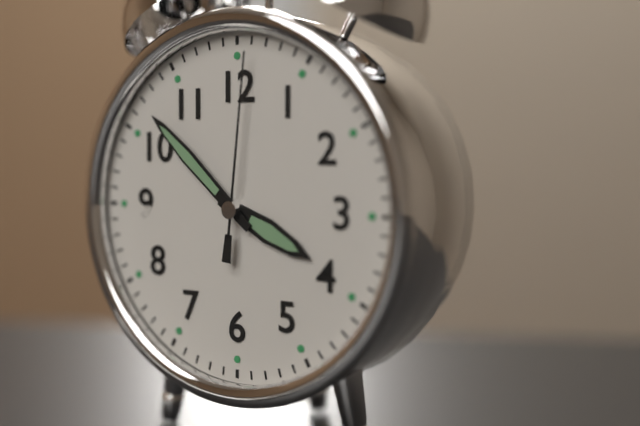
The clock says 3,52,01
